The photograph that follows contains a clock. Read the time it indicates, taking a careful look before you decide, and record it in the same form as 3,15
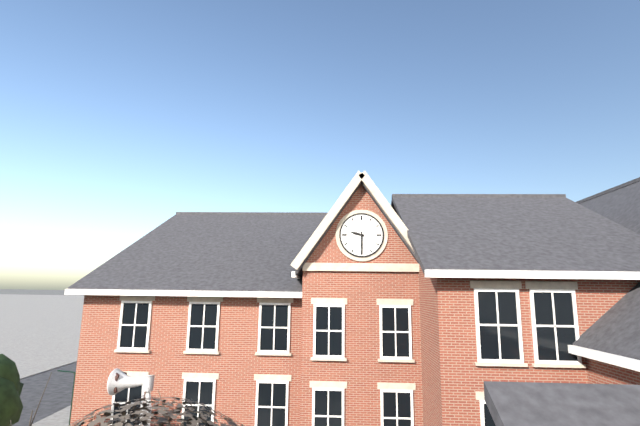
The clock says 9,30
